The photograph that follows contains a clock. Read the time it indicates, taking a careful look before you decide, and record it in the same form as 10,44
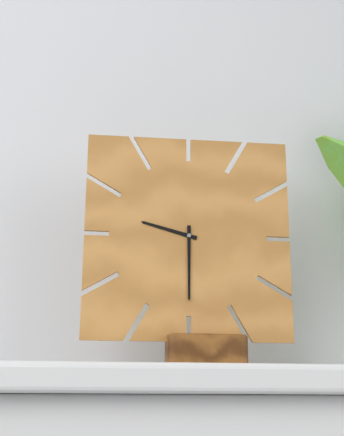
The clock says 9,30
